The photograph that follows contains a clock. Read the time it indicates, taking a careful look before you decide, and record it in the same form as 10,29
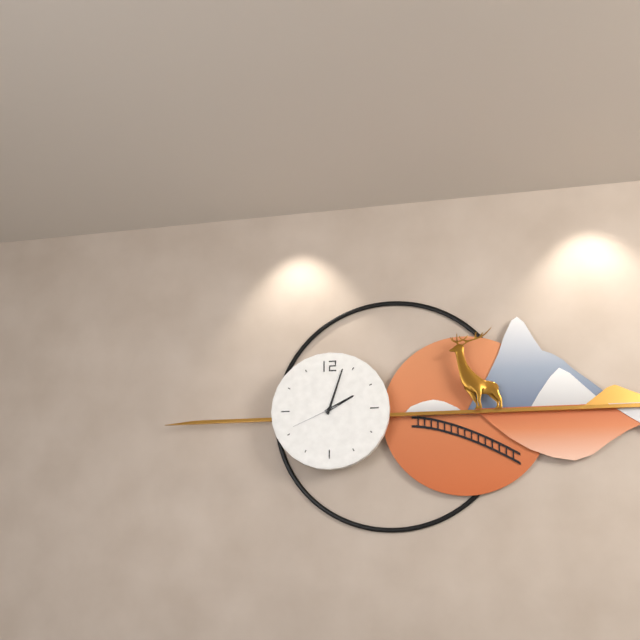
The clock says 2,03
